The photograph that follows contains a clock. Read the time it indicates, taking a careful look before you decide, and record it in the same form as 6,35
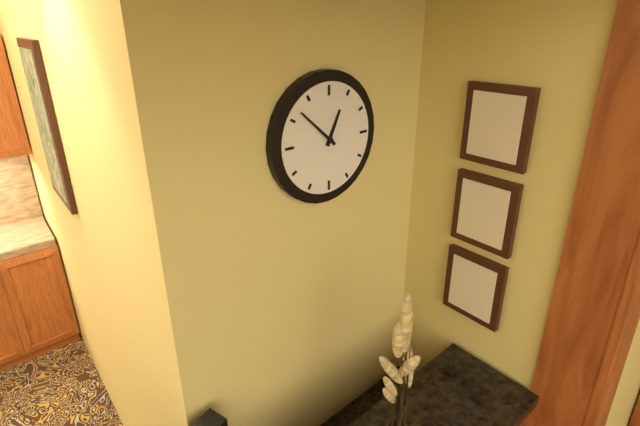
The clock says 12,52
